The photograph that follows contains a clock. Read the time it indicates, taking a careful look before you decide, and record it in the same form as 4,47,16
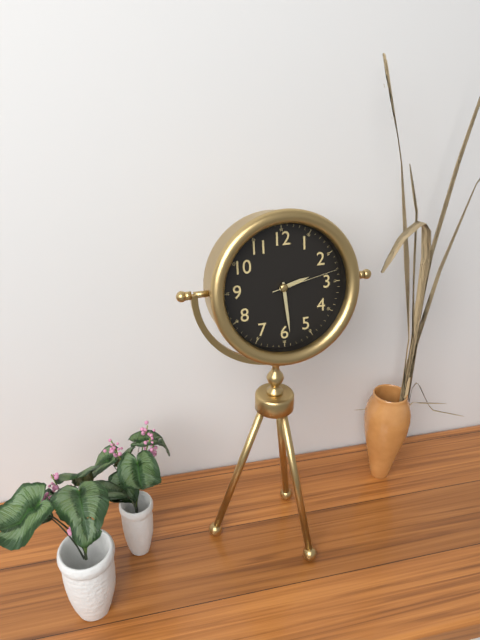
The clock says 2,29,13
